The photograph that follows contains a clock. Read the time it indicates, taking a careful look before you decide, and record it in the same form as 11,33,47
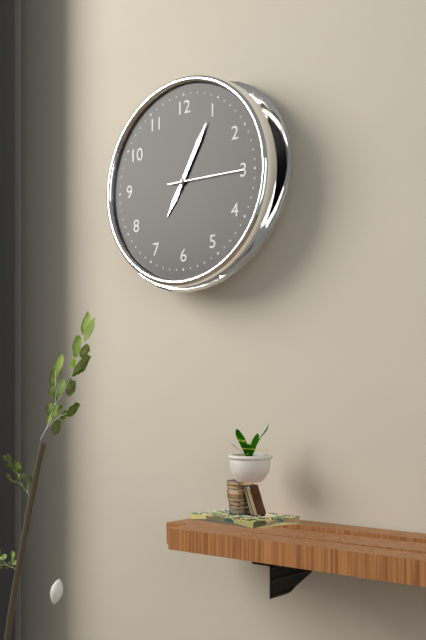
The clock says 7,05,15
